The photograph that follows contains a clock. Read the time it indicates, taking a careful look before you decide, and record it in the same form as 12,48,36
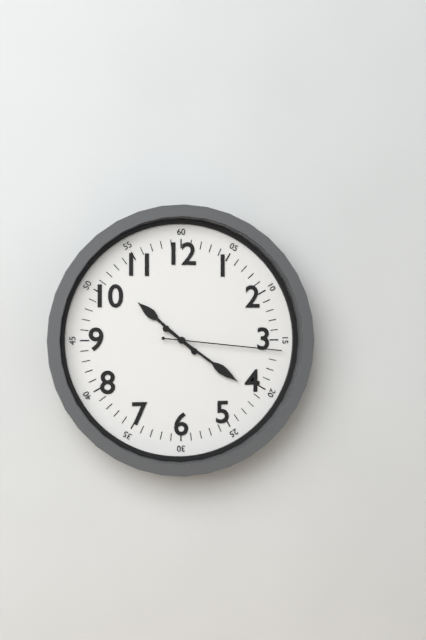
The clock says 10,21,16
